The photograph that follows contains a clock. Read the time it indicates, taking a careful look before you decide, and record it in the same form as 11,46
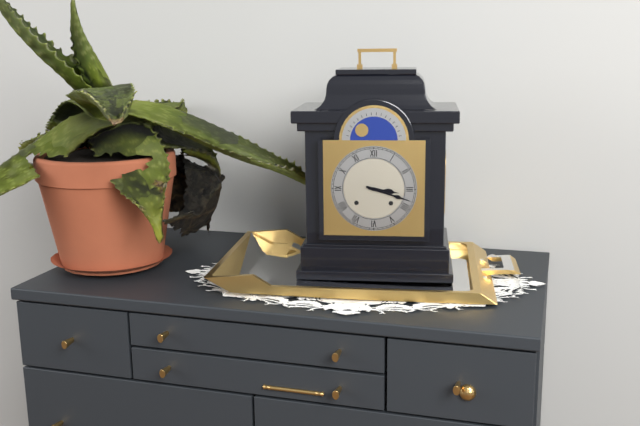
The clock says 3,18
